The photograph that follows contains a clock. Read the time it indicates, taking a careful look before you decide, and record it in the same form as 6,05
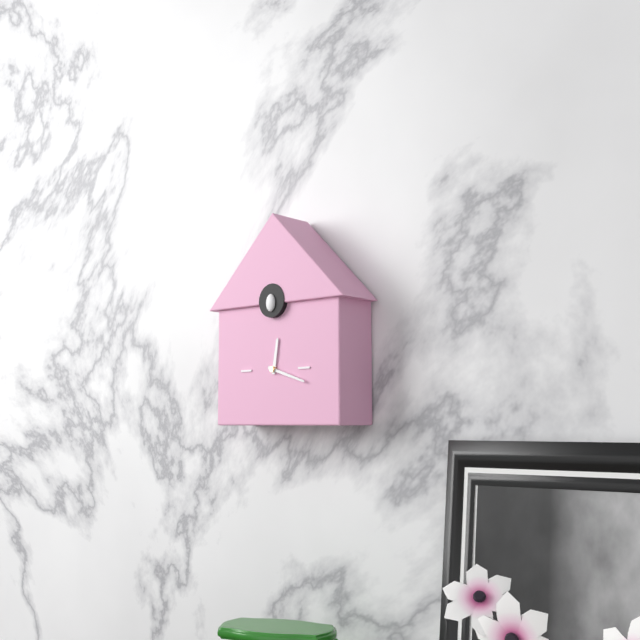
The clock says 12,18
